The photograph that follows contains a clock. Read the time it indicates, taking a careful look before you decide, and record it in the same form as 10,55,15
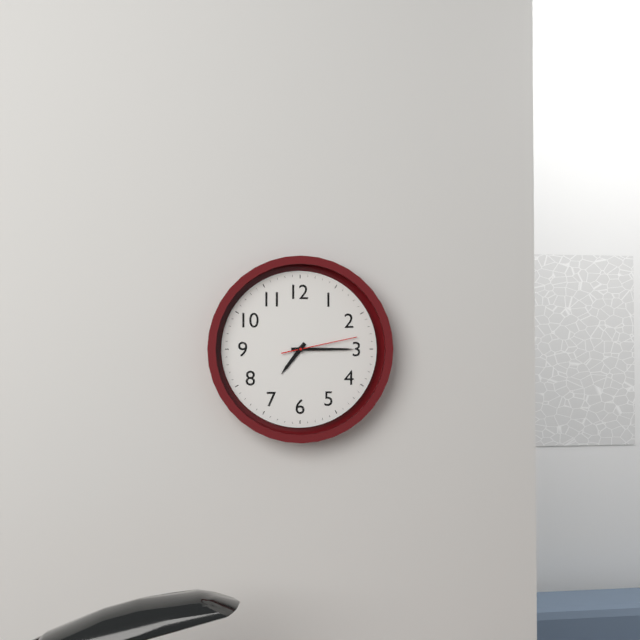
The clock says 7,15,13
